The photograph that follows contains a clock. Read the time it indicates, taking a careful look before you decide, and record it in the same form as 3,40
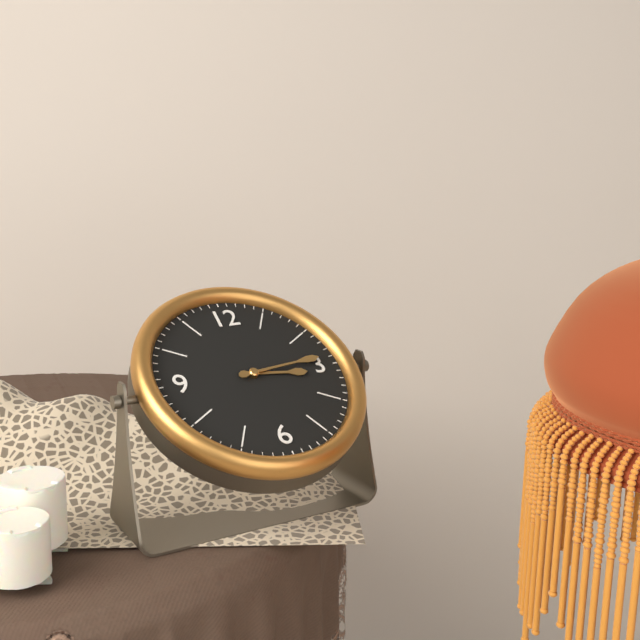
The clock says 3,14
